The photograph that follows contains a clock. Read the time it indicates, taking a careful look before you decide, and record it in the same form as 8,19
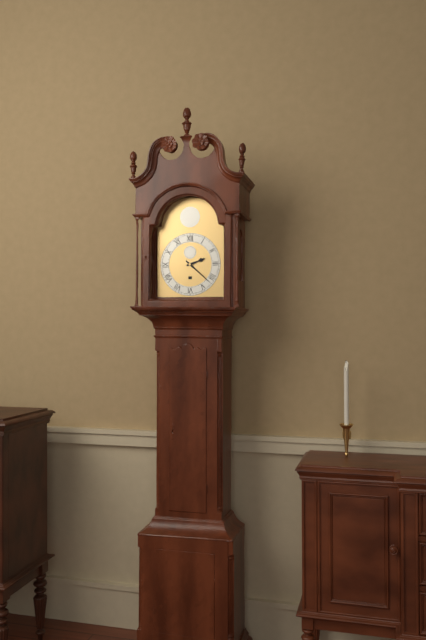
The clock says 2,22
